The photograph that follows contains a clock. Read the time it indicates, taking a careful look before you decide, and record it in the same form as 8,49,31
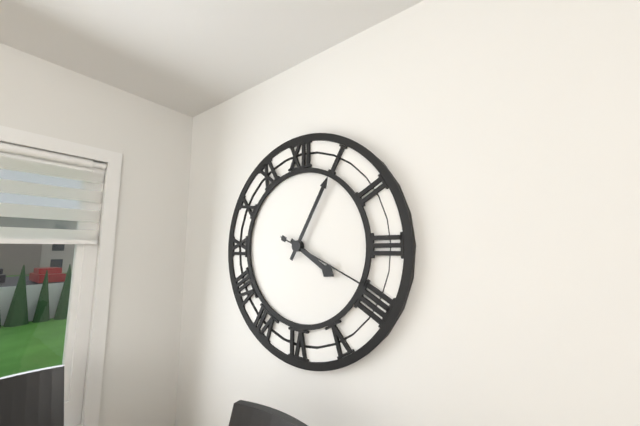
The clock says 4,05,19
